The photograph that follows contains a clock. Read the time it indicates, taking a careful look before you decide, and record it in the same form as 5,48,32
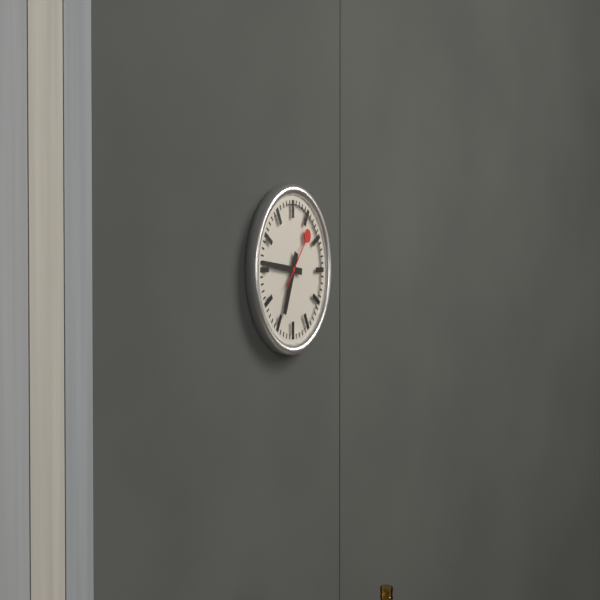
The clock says 6,46,07
